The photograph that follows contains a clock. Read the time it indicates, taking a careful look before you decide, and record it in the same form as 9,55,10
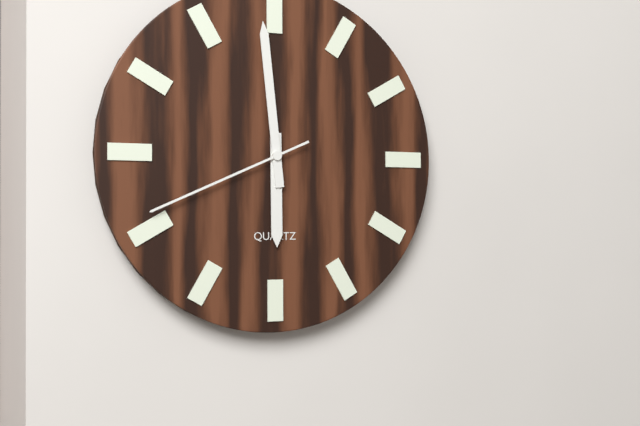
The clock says 5,59,41
